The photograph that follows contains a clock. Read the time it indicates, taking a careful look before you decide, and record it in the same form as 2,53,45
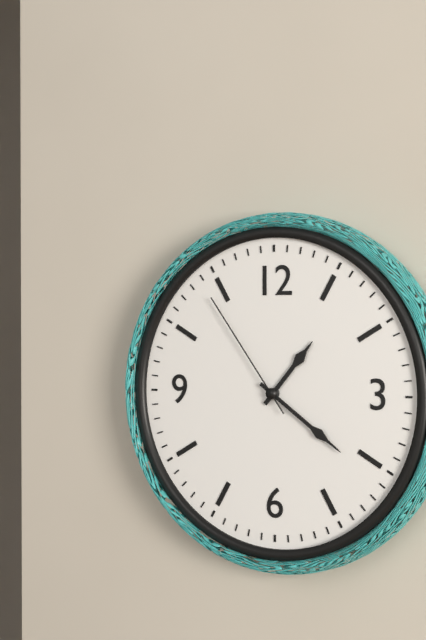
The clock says 1,21,54
